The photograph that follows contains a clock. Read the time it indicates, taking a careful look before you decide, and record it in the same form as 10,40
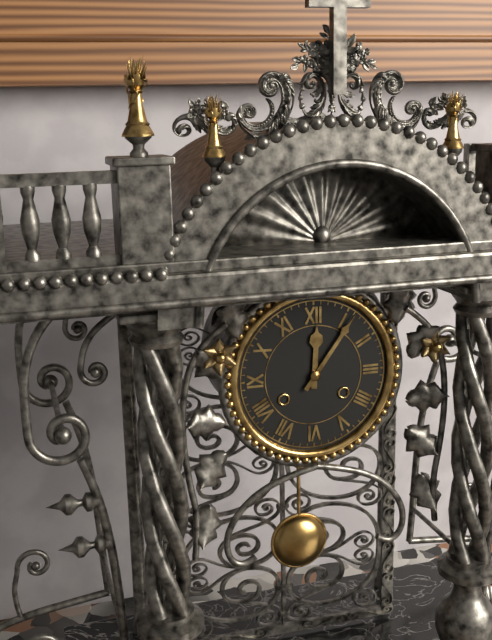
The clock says 12,06
